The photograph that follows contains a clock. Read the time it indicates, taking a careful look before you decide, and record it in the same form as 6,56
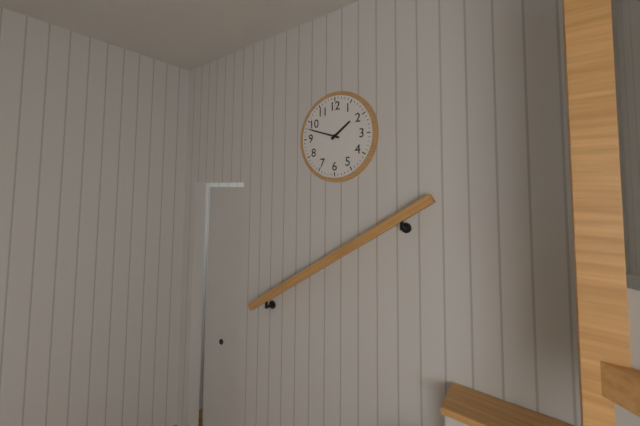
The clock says 1,48
